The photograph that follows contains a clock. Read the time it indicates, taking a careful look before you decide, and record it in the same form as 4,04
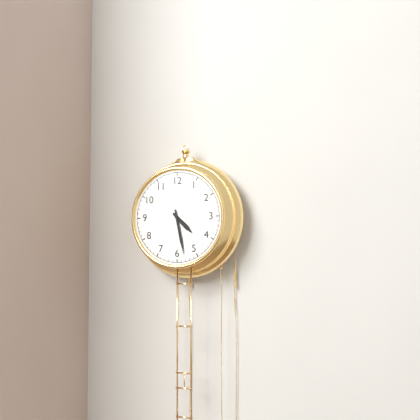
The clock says 4,28
